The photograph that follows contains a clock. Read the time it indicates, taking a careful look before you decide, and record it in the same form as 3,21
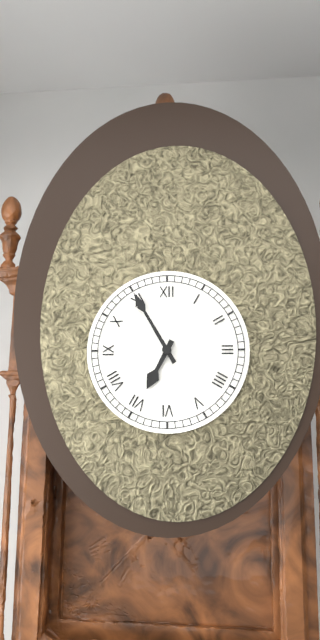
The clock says 6,55
